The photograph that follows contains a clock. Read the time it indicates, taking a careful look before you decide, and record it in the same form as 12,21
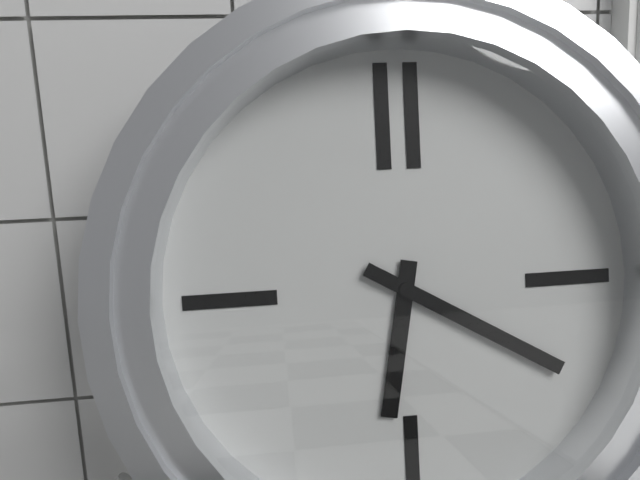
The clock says 6,20
